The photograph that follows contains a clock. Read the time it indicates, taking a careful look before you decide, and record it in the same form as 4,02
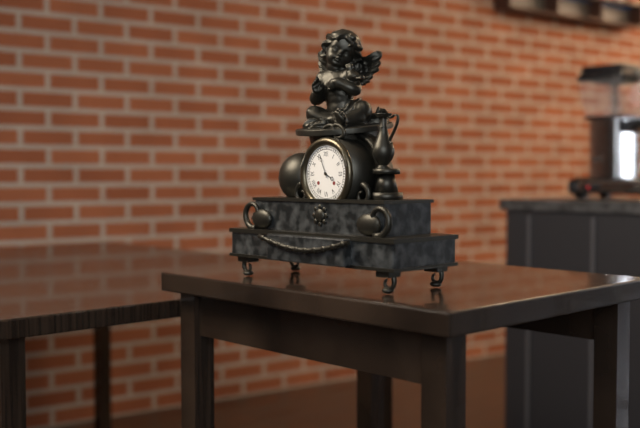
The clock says 3,56
